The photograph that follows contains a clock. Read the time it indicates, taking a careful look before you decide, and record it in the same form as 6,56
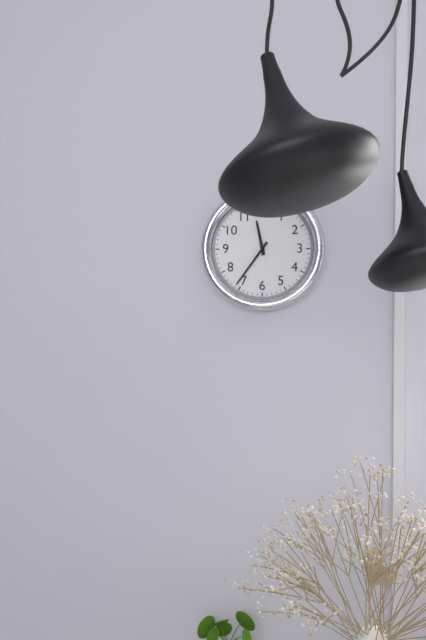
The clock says 11,36
